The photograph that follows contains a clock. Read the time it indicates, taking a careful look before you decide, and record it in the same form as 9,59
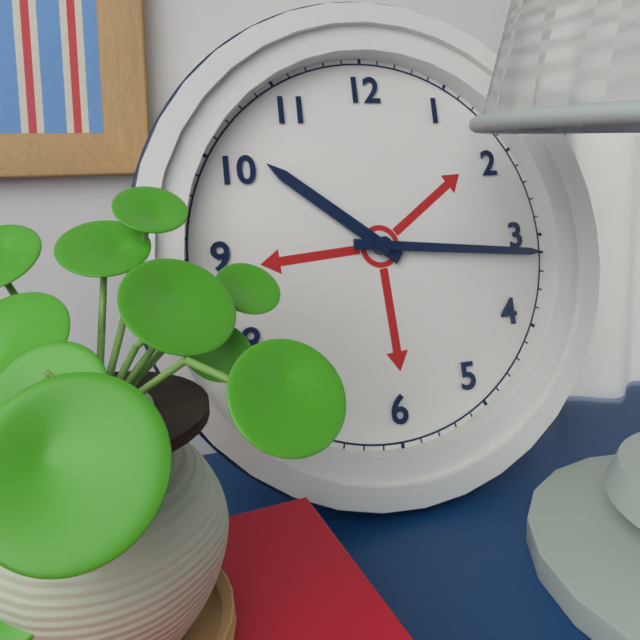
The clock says 10,16
